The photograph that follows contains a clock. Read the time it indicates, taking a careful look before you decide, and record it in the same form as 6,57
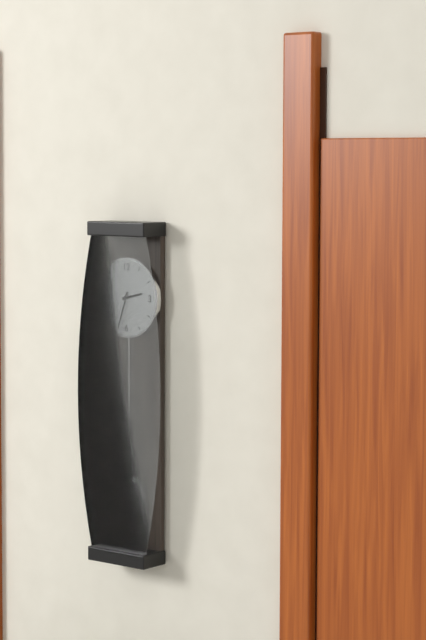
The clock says 2,33
